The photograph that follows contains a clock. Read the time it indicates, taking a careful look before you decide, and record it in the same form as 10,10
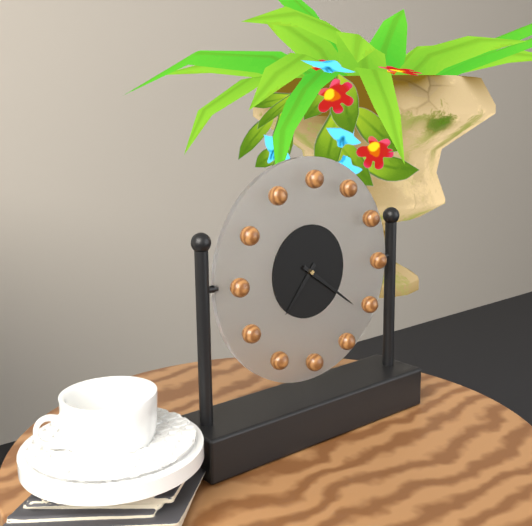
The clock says 7,21
